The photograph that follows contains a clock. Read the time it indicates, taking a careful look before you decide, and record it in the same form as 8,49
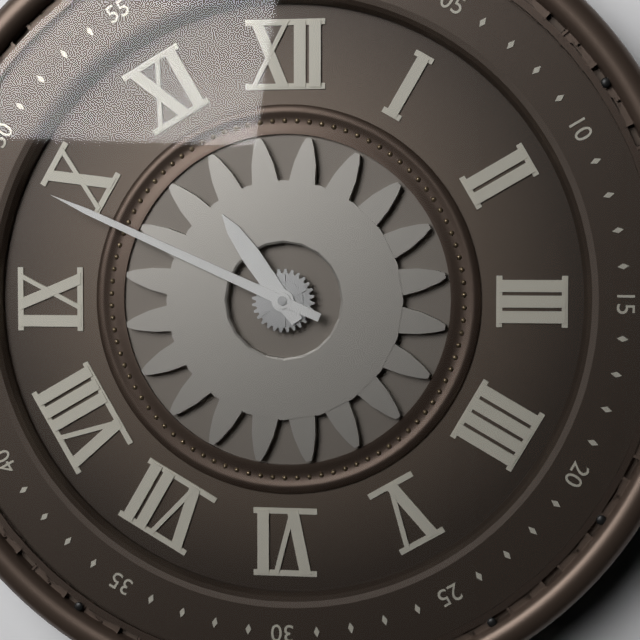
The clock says 10,49
